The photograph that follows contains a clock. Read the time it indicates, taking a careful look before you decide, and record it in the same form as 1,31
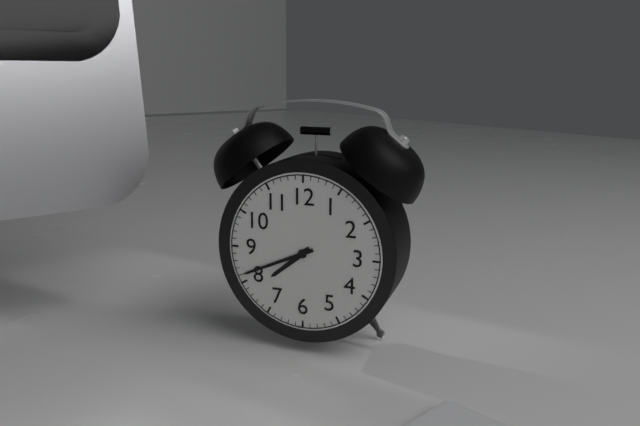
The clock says 7,41
